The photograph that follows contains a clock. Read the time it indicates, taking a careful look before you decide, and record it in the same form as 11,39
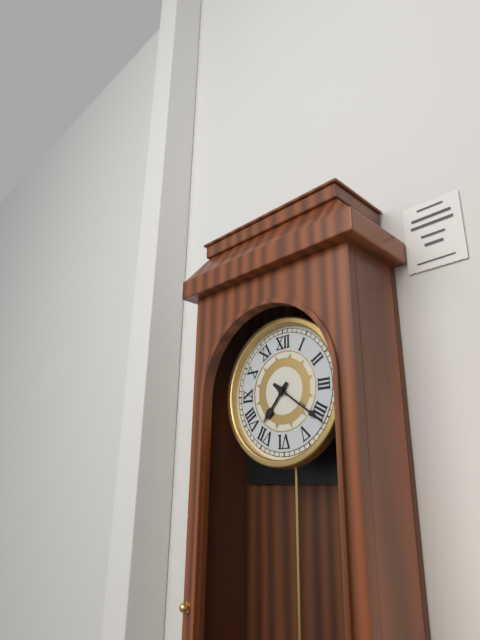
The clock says 7,21
